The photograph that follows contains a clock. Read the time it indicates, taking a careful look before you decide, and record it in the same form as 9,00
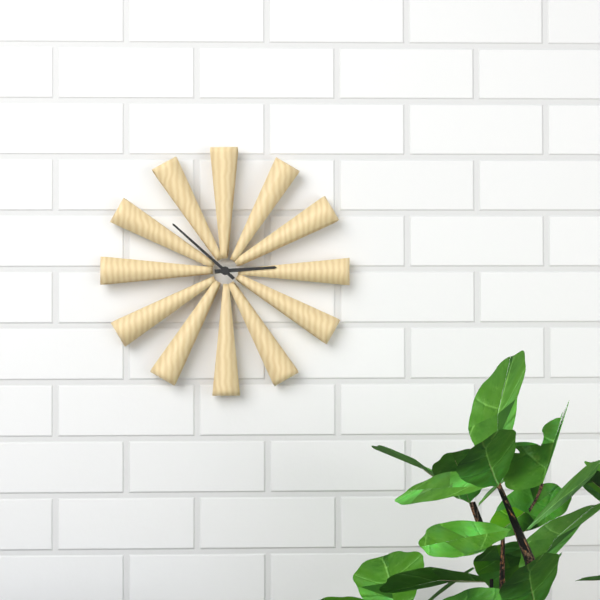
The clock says 2,52
